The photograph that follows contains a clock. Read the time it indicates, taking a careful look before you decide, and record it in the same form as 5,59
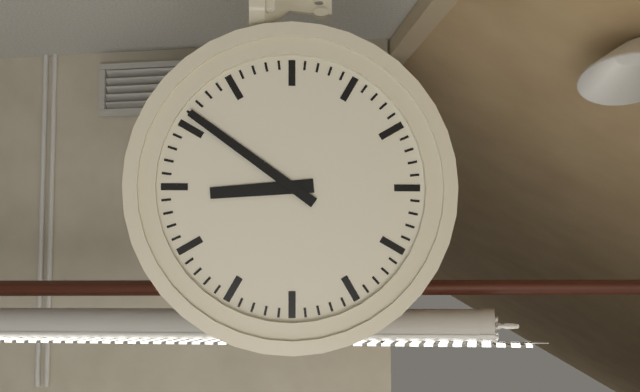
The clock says 8,51
